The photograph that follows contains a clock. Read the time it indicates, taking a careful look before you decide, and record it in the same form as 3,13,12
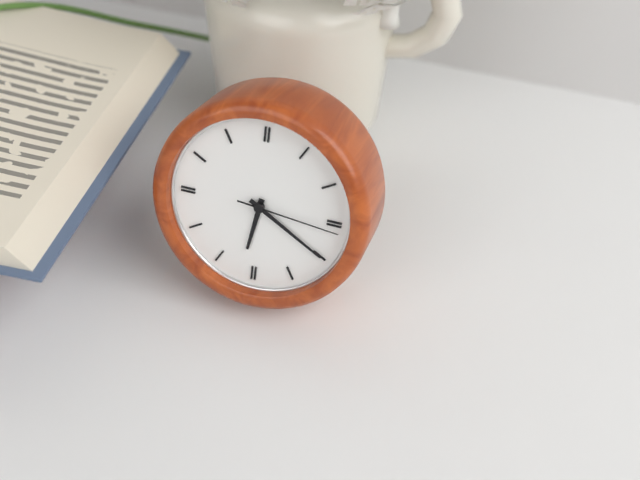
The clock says 6,20,16
